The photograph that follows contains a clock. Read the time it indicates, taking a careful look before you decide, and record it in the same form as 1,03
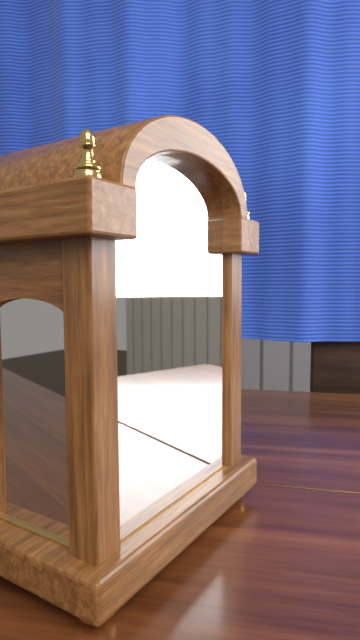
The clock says 12,22
